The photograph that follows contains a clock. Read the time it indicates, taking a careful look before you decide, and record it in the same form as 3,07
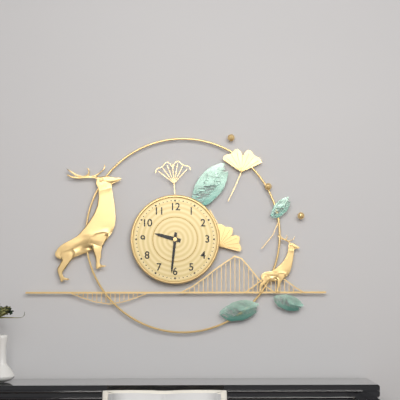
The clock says 9,31
